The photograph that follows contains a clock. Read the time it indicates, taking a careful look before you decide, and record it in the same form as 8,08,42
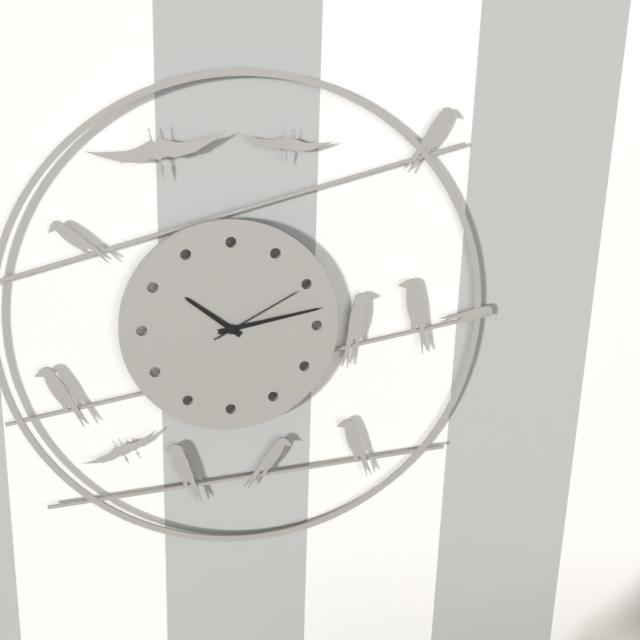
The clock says 10,13,10
